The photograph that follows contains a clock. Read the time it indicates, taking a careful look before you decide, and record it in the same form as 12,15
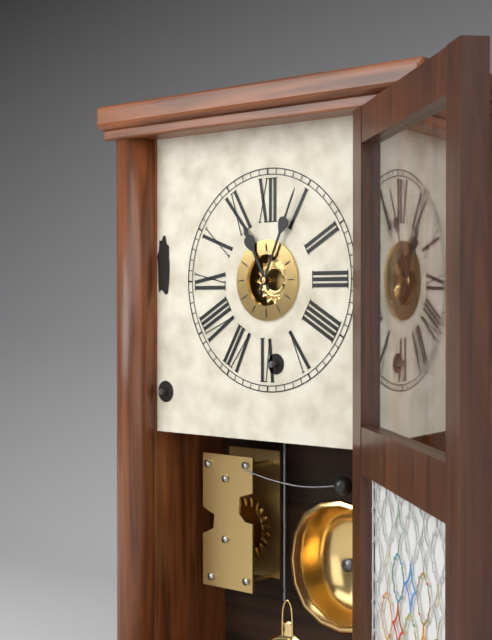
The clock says 11,04
